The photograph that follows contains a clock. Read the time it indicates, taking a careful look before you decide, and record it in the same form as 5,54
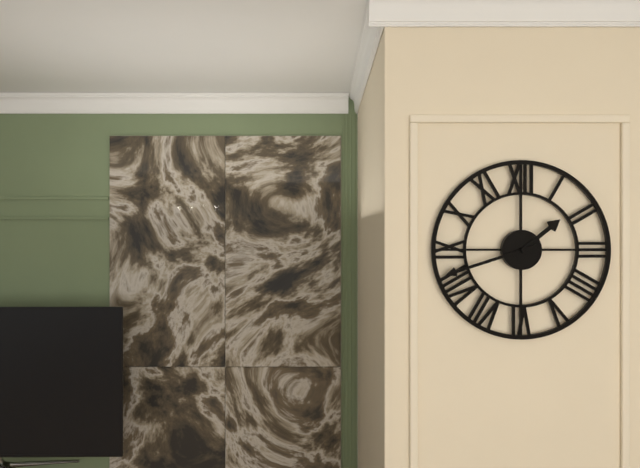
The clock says 1,42
